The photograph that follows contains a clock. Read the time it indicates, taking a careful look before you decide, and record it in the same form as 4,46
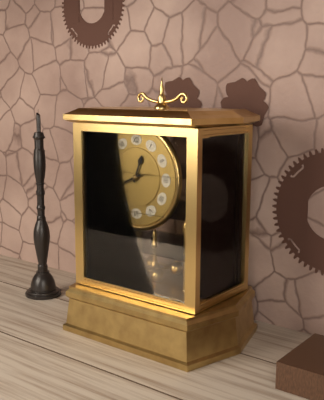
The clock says 12,41
